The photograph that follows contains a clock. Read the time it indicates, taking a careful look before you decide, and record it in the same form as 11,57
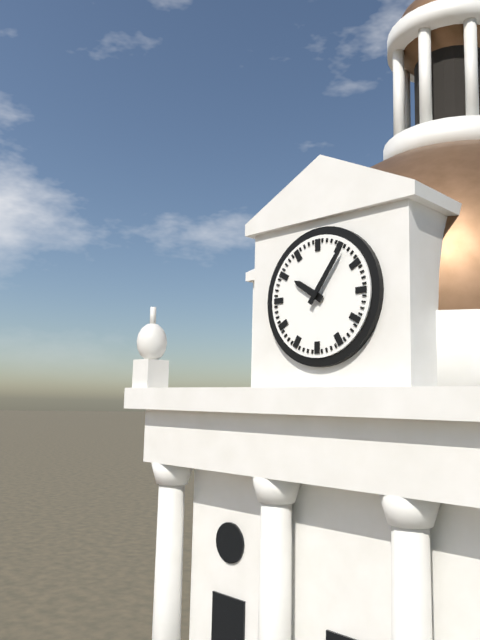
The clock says 10,06
